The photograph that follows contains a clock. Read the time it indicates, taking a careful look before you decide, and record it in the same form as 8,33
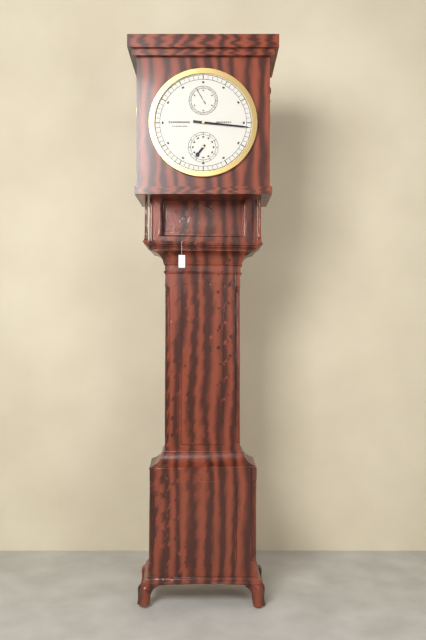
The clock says 7,16
